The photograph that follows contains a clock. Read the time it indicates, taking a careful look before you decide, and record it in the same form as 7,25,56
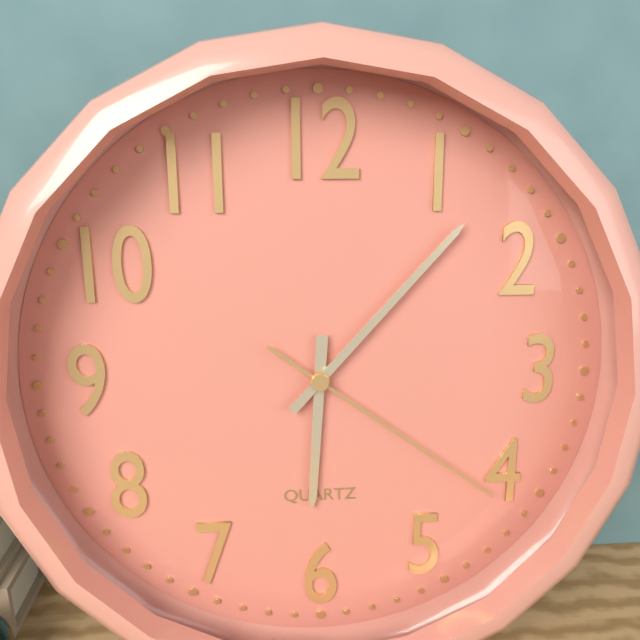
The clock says 6,07,21
